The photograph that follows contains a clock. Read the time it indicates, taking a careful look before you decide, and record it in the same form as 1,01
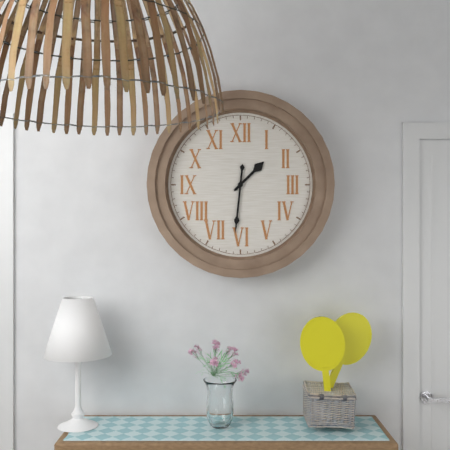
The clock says 1,31
